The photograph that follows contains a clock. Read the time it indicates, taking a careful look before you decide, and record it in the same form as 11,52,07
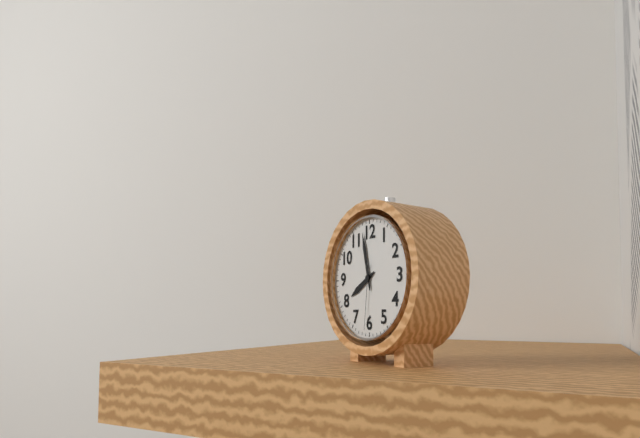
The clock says 7,58,31
